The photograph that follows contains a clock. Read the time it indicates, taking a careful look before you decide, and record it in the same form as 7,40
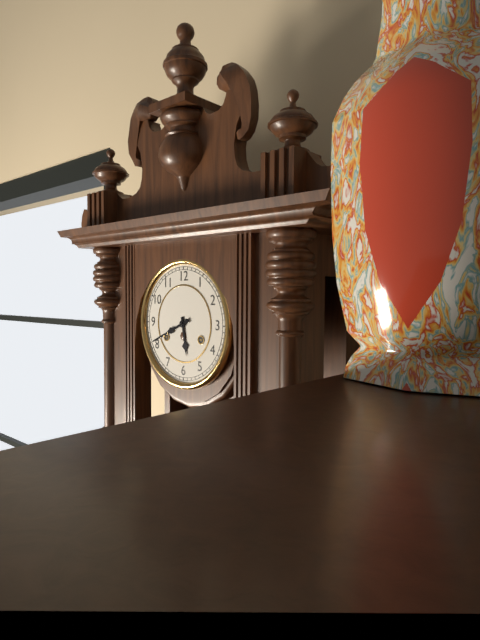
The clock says 5,41
